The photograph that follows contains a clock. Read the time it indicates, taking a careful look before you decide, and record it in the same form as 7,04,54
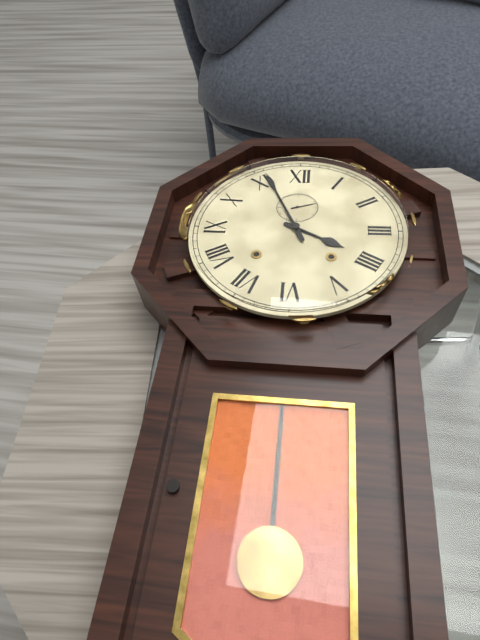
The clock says 3,56,12
